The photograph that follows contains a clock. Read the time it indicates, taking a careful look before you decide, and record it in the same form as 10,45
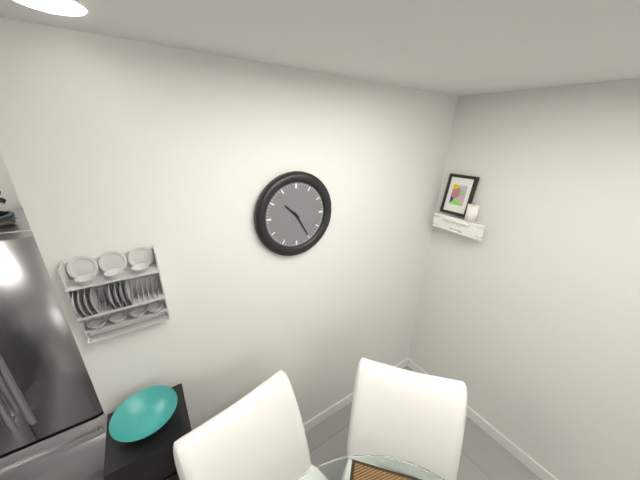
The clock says 10,25
